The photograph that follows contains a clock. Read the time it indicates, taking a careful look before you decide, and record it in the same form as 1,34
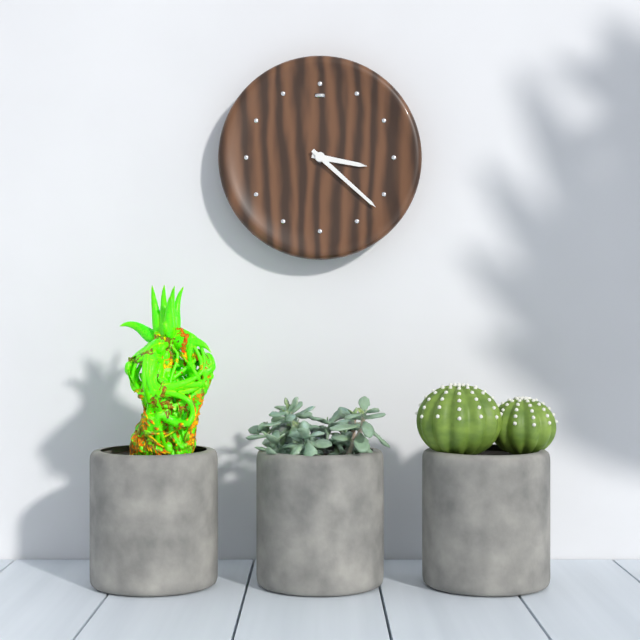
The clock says 3,22
